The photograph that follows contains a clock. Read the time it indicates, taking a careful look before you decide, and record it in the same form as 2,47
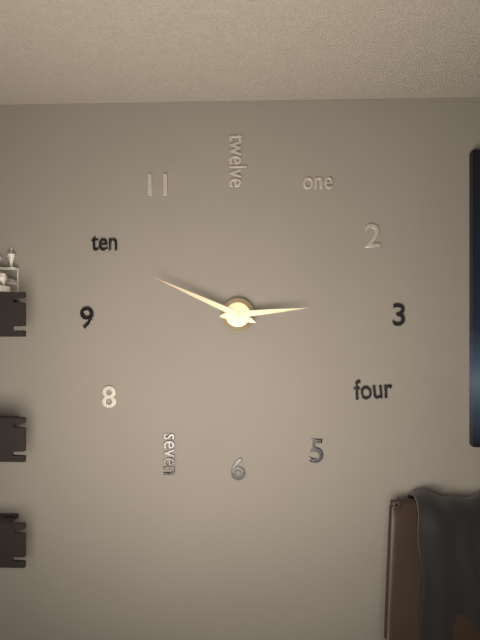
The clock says 2,49
